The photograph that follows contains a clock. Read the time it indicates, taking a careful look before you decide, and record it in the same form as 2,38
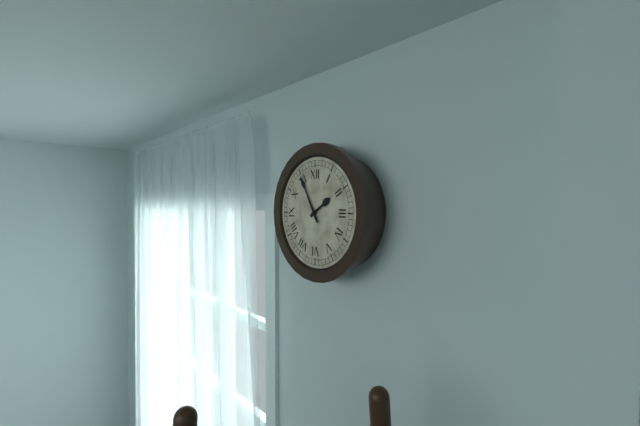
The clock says 1,55
